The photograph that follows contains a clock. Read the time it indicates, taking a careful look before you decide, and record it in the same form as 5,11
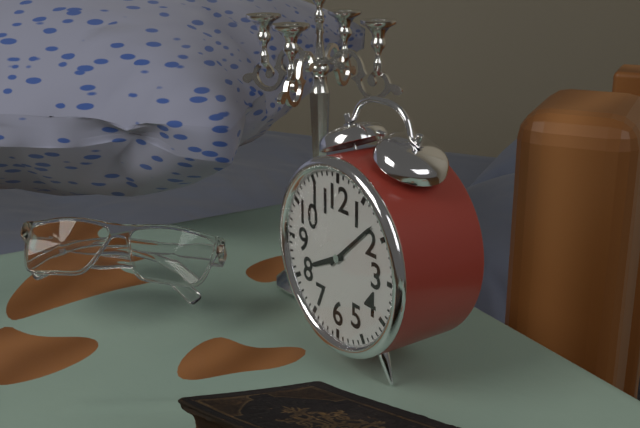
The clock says 8,08
